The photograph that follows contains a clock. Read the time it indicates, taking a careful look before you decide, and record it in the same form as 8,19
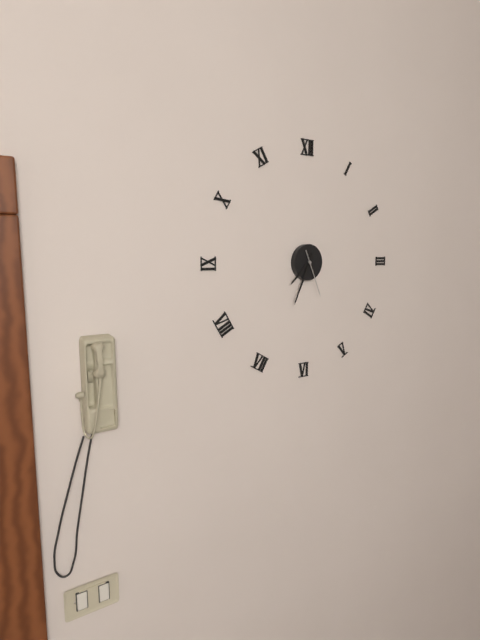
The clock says 7,34
